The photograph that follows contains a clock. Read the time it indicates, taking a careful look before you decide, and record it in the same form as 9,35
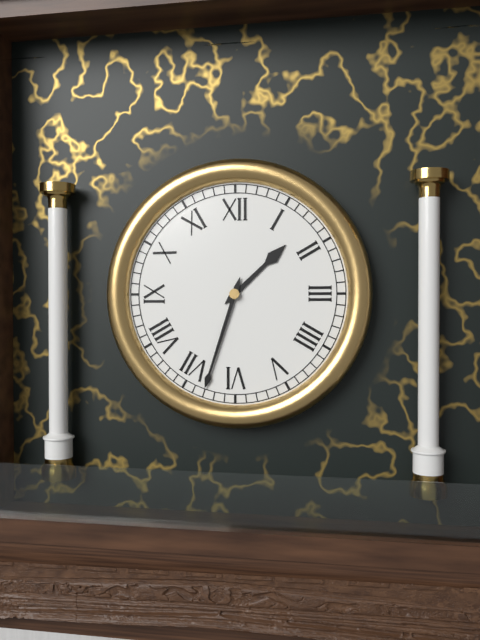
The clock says 1,33
